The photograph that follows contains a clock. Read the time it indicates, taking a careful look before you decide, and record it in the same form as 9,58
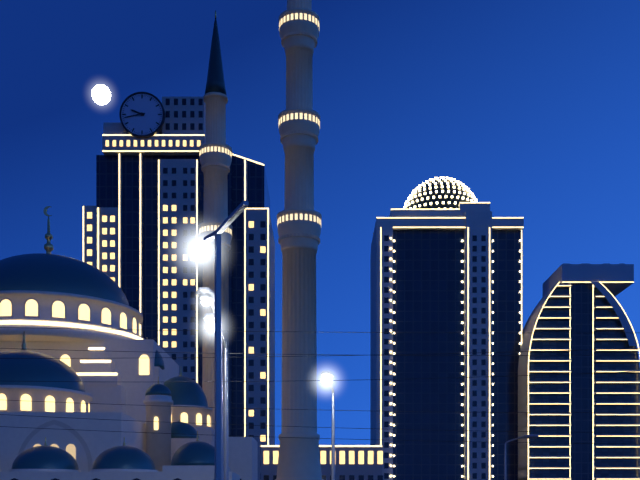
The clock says 9,43
